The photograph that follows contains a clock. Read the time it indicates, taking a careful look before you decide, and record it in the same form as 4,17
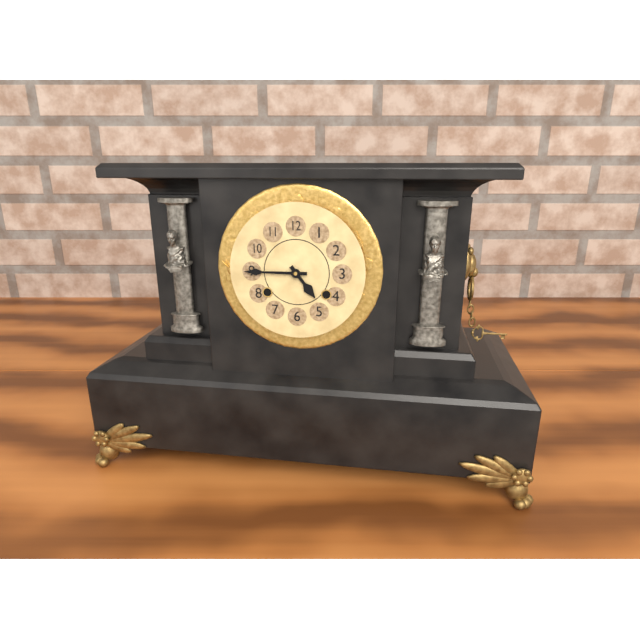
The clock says 4,45
